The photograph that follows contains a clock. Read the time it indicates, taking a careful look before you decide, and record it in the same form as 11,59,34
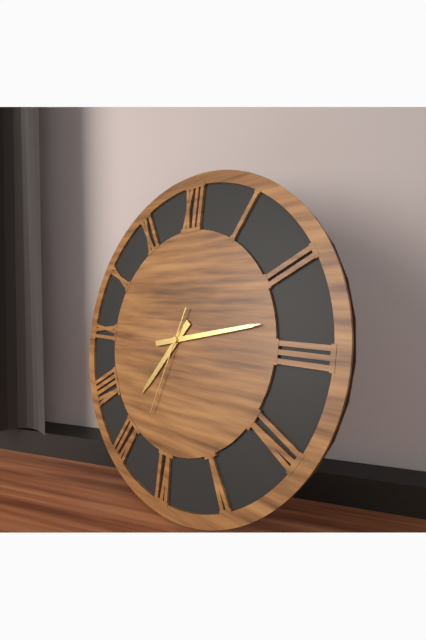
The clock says 7,13,33
